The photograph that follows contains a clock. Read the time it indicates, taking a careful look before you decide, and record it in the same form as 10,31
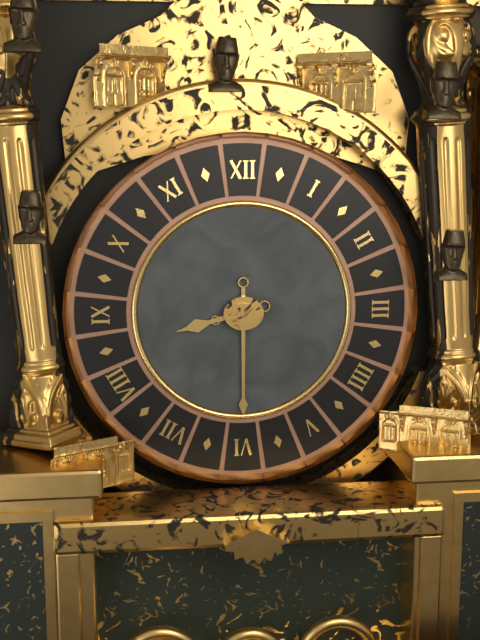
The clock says 8,30
